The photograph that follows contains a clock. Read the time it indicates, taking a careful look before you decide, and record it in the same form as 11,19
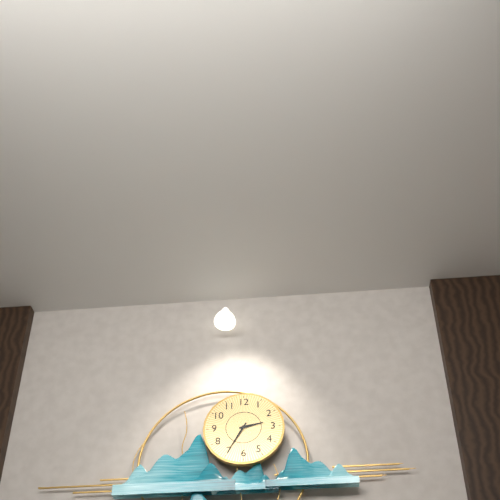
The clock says 2,35
